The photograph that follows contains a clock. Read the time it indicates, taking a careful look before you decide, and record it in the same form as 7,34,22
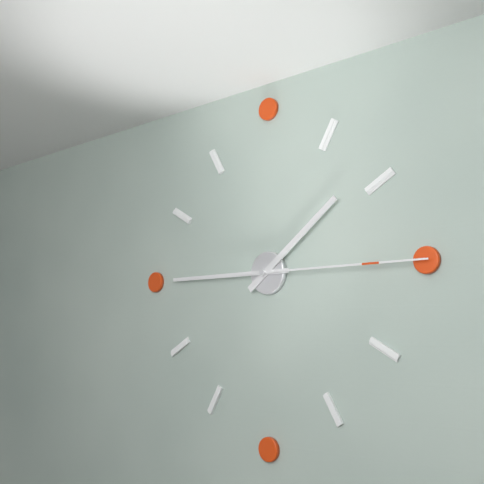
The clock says 1,45,15
